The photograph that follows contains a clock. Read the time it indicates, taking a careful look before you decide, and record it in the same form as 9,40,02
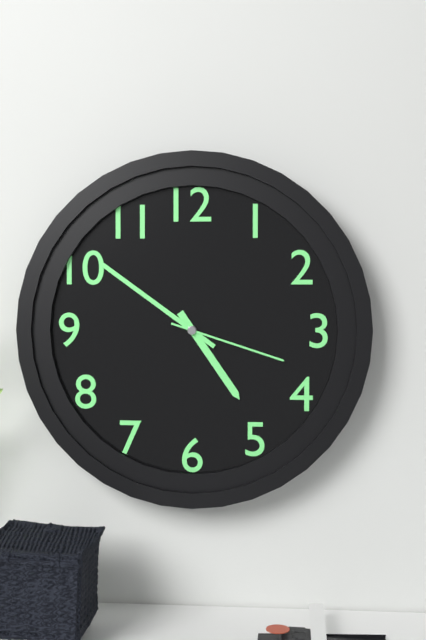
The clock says 4,51,18
